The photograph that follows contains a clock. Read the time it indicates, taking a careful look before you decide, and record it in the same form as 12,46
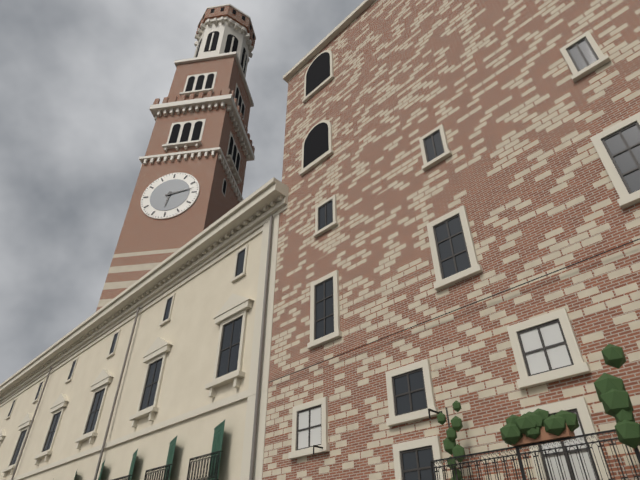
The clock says 6,13
